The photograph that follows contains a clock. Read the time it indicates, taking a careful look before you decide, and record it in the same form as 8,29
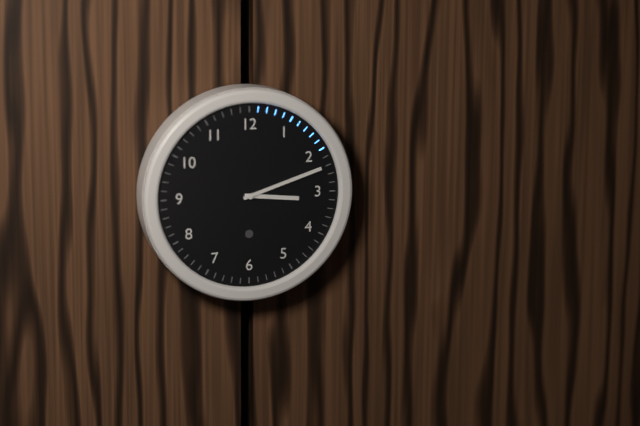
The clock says 3,12
